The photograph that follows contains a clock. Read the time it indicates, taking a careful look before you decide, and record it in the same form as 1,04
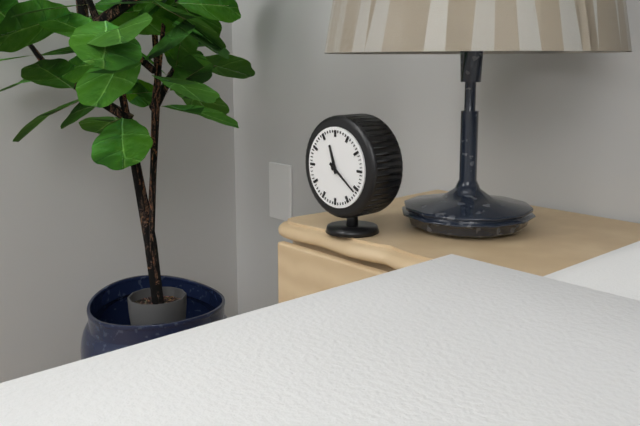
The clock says 11,21
